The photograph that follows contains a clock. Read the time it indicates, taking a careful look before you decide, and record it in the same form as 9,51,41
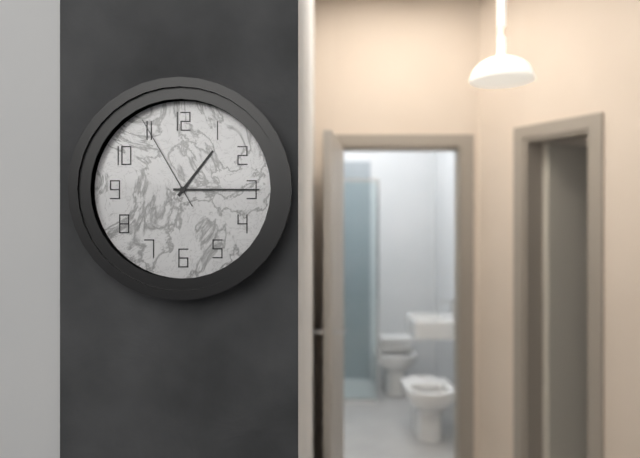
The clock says 1,15,55
